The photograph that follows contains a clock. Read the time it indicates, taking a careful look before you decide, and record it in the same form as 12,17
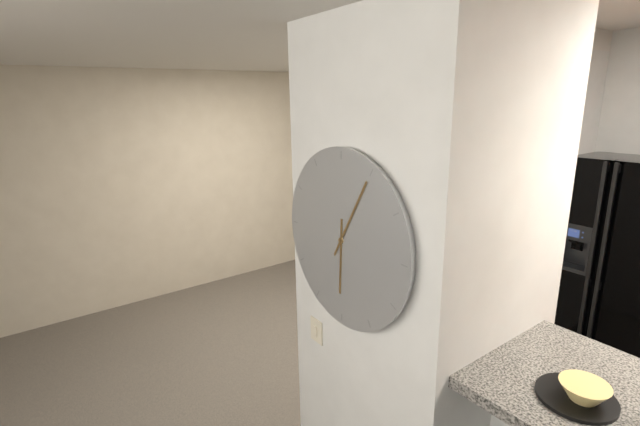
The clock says 6,05
